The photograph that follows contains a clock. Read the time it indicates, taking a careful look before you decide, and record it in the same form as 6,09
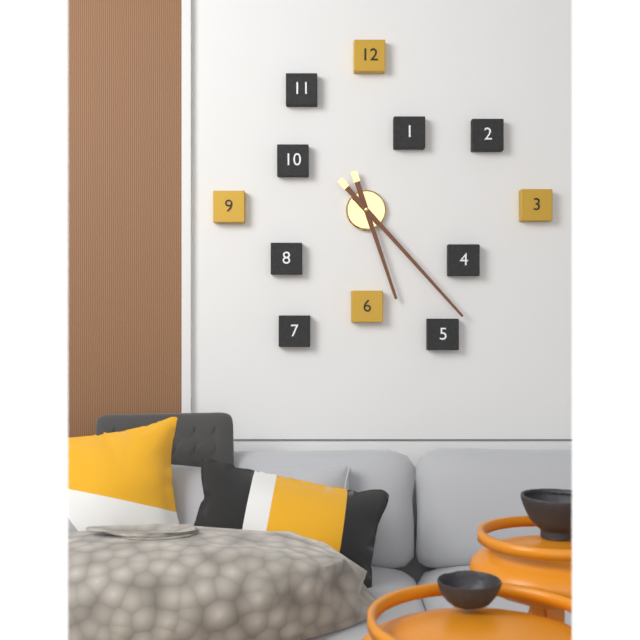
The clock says 5,23
